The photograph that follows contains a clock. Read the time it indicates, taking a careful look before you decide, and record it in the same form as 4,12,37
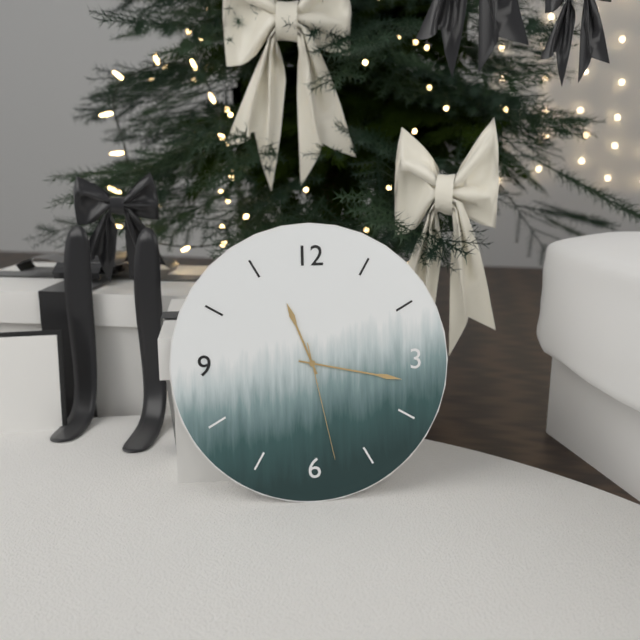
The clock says 11,17,28
